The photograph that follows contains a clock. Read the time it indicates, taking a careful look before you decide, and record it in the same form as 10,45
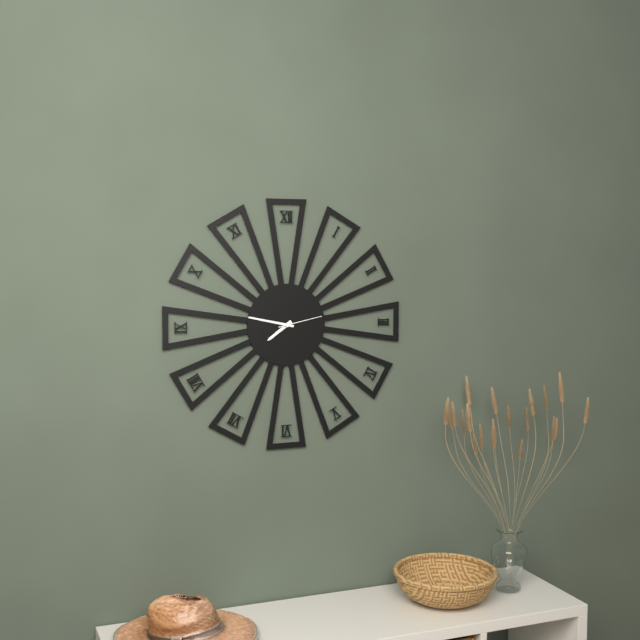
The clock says 7,47
